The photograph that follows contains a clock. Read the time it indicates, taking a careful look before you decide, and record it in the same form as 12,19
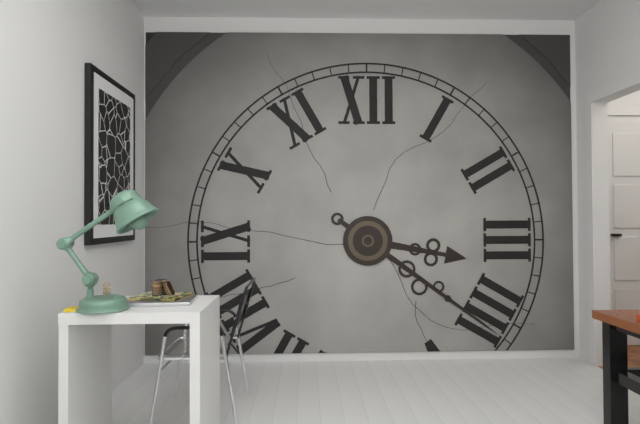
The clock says 3,21
